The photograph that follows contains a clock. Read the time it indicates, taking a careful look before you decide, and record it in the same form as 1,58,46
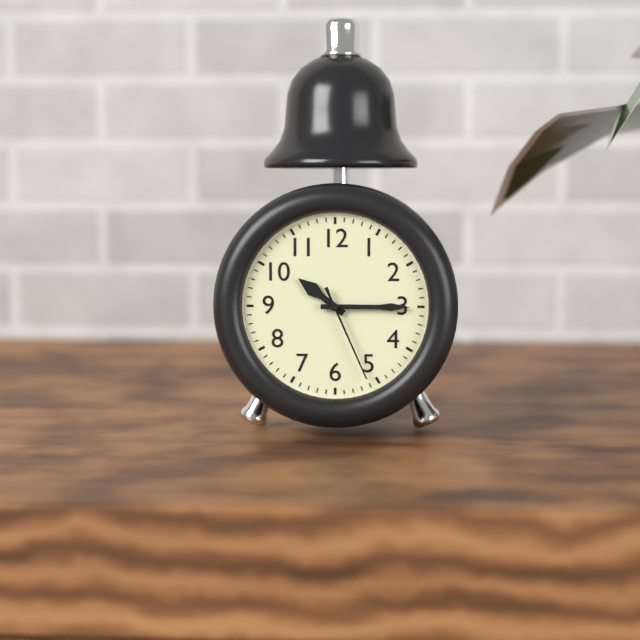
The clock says 10,15,26
